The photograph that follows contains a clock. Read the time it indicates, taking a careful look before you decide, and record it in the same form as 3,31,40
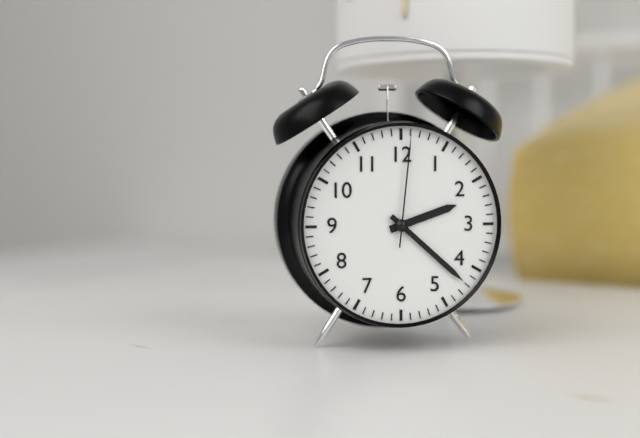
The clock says 2,22,01
